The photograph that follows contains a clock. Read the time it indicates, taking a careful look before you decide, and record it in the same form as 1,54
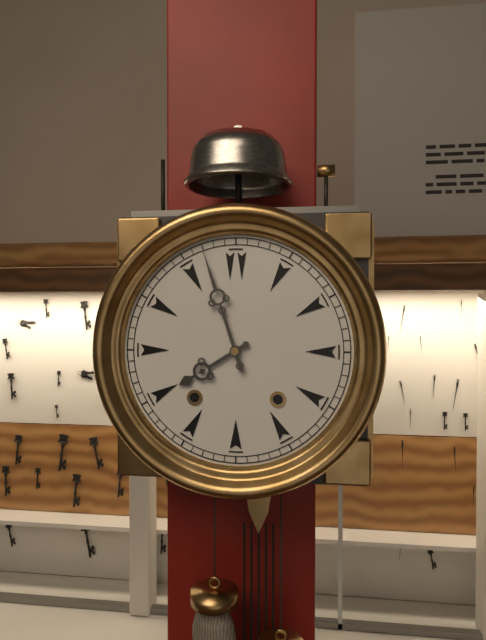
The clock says 7,57
